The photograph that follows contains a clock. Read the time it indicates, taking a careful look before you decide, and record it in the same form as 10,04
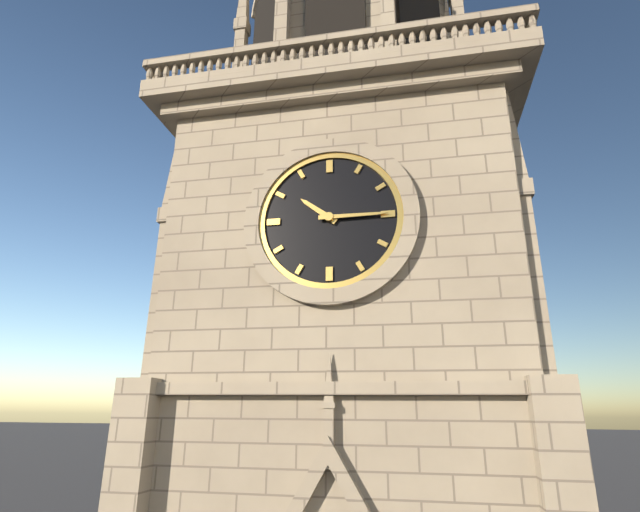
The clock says 10,15
